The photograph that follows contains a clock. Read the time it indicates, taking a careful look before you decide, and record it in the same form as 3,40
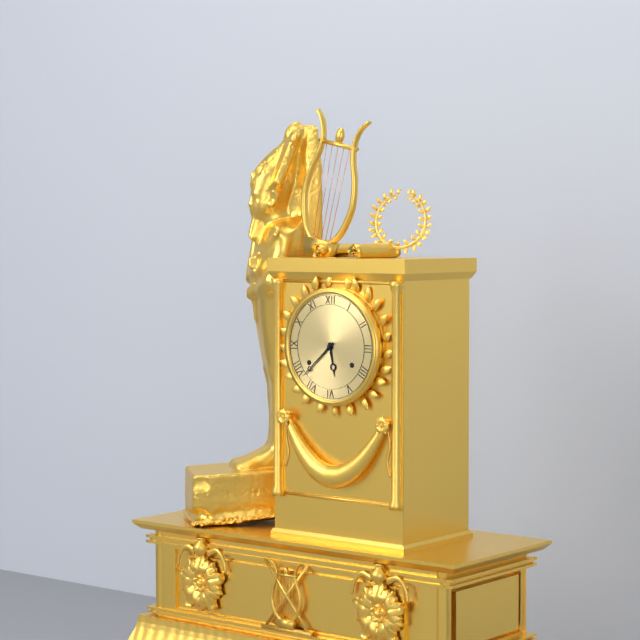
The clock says 5,38
